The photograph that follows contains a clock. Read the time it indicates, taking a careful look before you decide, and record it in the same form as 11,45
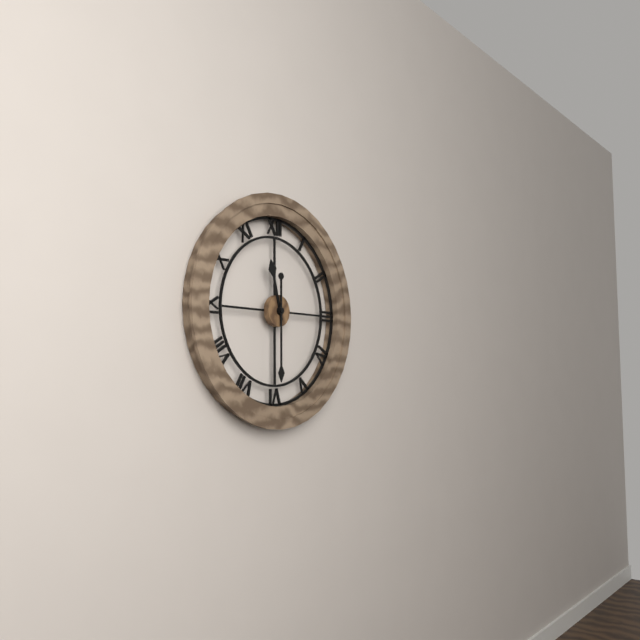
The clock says 11,30
